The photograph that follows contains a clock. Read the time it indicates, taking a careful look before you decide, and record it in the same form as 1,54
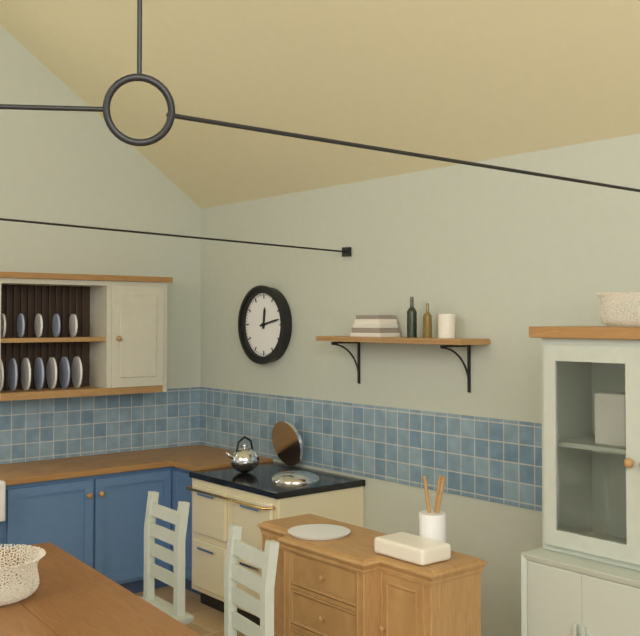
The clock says 12,13
